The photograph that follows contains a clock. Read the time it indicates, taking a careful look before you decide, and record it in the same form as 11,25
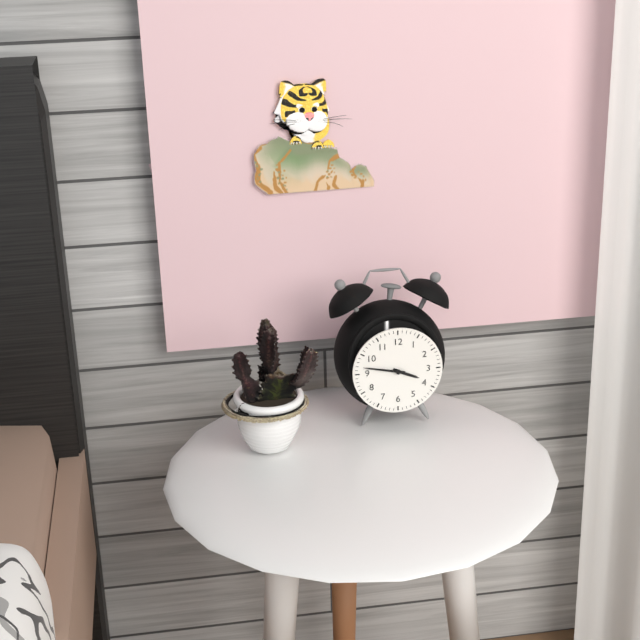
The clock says 3,47
